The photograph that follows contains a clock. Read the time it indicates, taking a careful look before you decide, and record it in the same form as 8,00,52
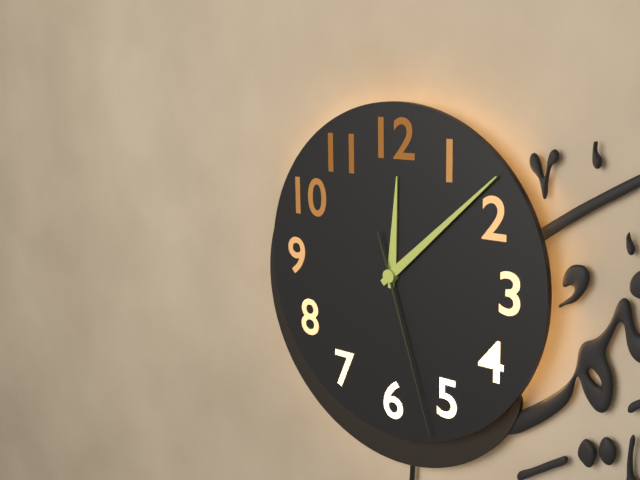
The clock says 12,08,27
